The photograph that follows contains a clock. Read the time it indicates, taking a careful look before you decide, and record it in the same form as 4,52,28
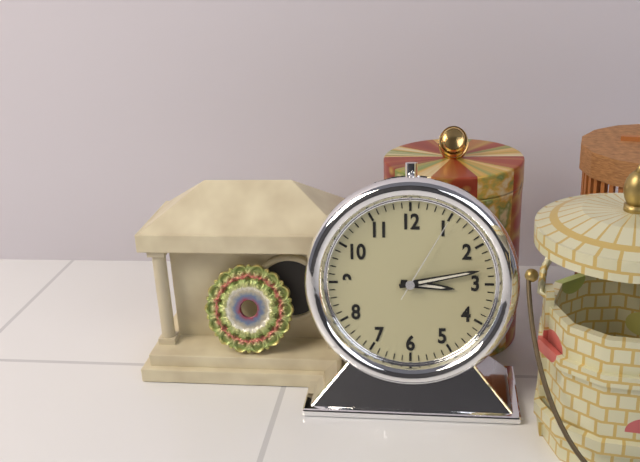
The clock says 3,13,05
